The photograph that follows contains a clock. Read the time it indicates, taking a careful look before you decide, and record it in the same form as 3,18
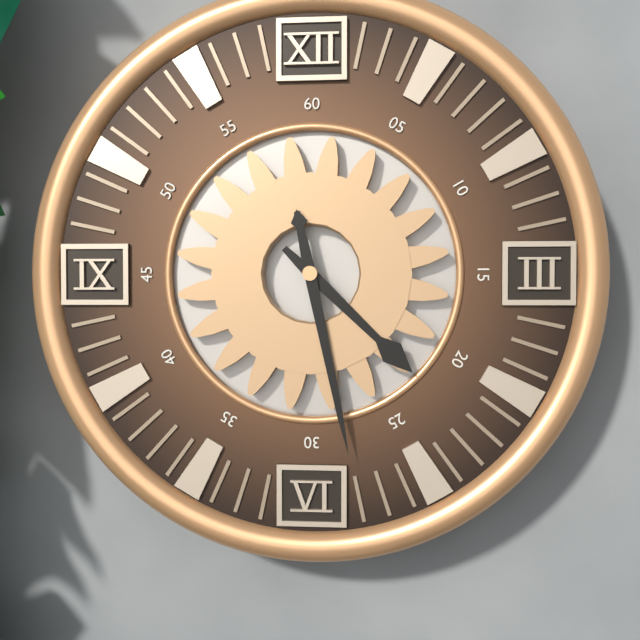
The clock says 4,28
